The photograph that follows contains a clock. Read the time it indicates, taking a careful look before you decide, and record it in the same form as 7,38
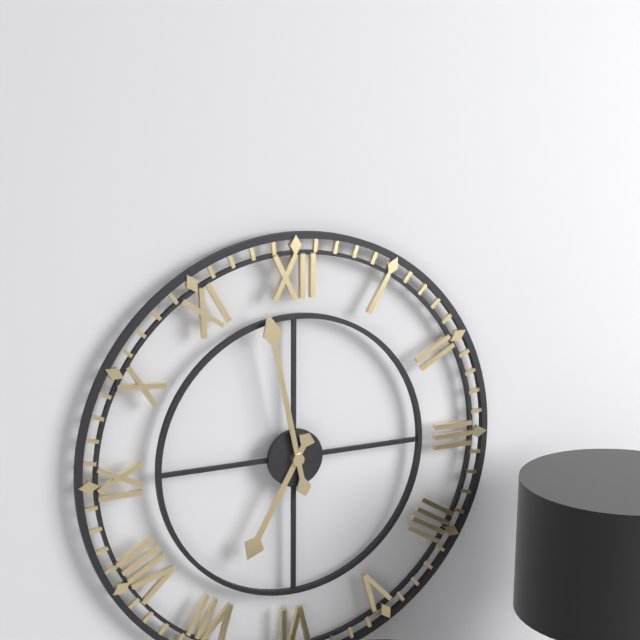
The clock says 6,58
